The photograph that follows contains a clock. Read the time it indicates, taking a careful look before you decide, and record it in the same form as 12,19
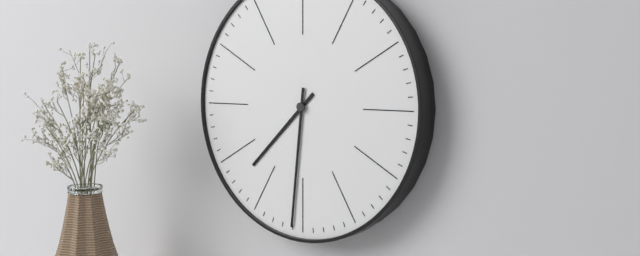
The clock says 7,31
